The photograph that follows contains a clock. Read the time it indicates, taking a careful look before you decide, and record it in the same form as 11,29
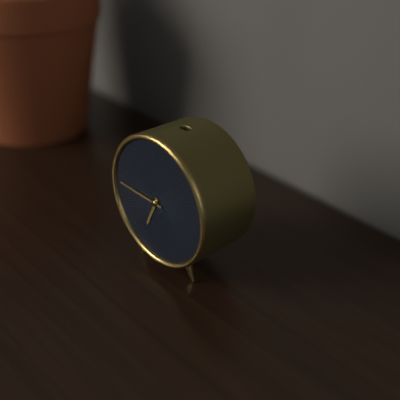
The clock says 6,45
